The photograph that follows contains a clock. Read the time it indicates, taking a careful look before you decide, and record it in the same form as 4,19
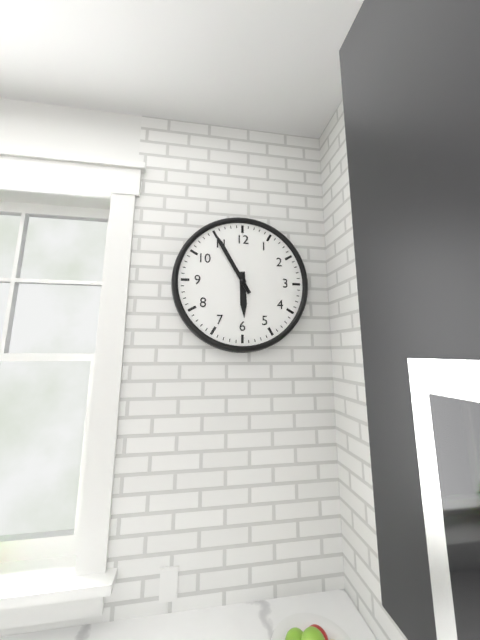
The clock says 5,55
